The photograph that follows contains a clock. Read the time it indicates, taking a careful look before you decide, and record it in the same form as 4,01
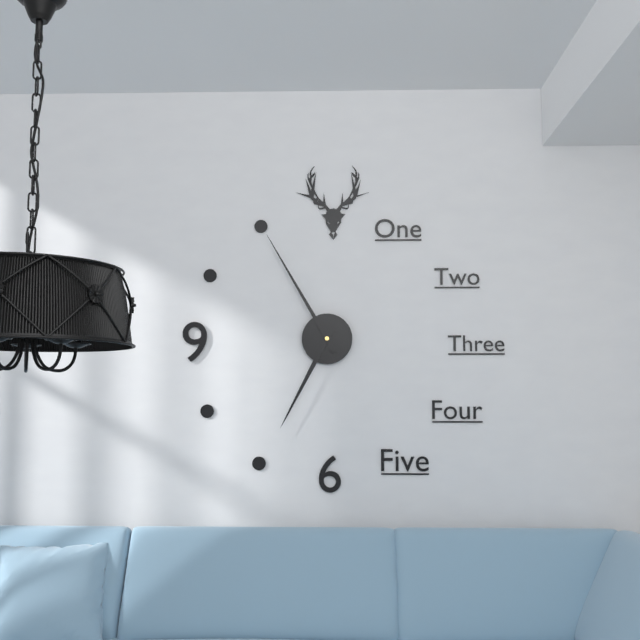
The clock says 6,55
